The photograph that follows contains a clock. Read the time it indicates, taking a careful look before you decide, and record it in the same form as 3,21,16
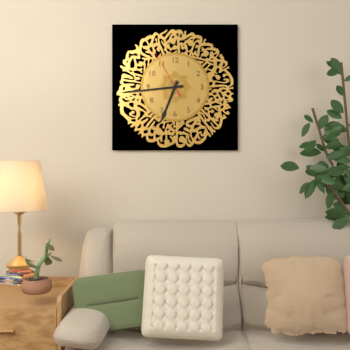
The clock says 6,44,55
